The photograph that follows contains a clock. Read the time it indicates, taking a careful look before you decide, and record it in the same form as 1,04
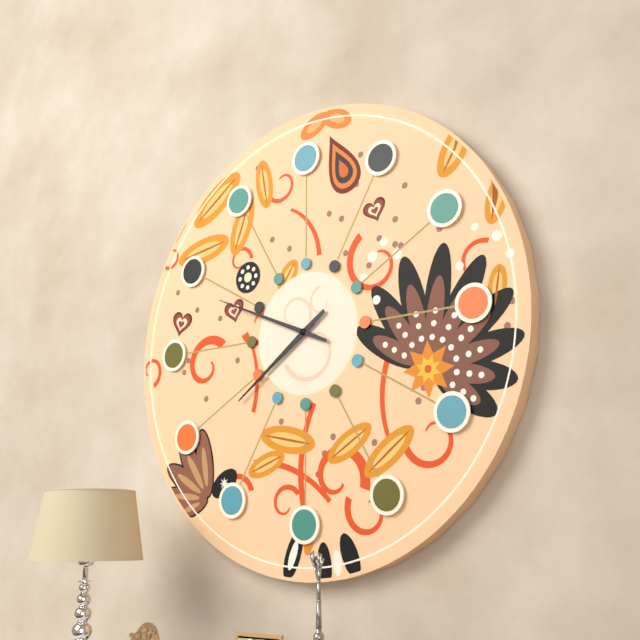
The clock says 7,49
